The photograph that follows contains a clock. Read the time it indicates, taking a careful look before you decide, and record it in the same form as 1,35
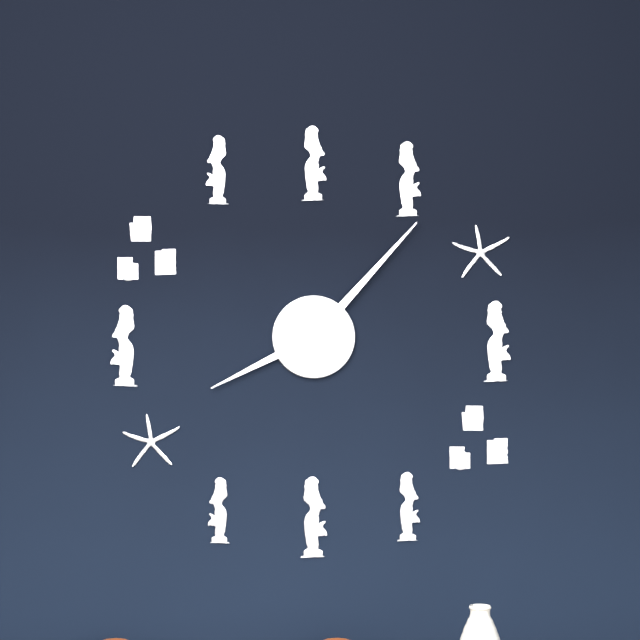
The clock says 8,07
